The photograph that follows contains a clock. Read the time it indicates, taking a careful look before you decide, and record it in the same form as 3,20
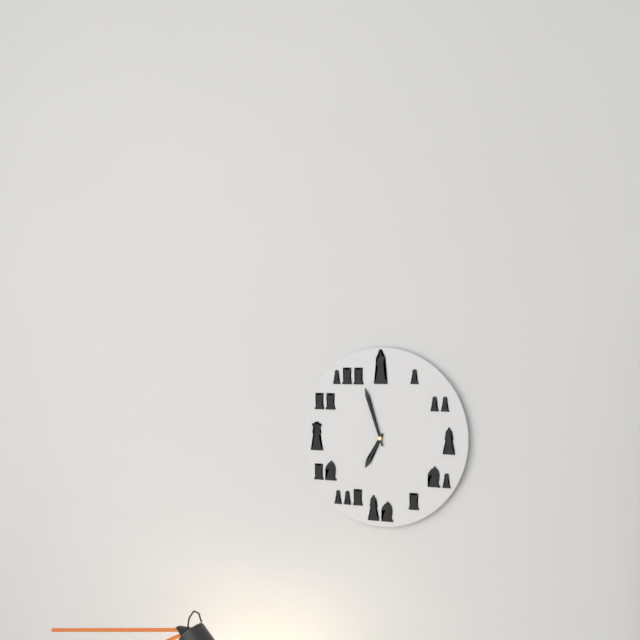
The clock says 6,57
